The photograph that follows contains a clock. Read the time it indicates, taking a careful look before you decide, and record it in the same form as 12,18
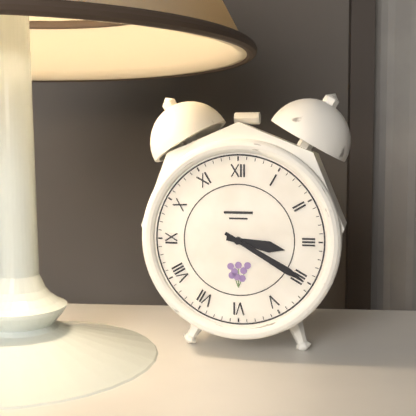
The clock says 3,20
